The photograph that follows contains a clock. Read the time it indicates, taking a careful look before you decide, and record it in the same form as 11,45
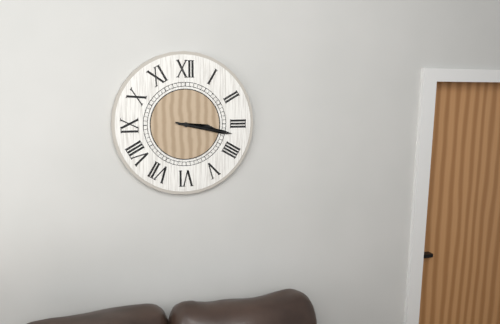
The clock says 3,17
